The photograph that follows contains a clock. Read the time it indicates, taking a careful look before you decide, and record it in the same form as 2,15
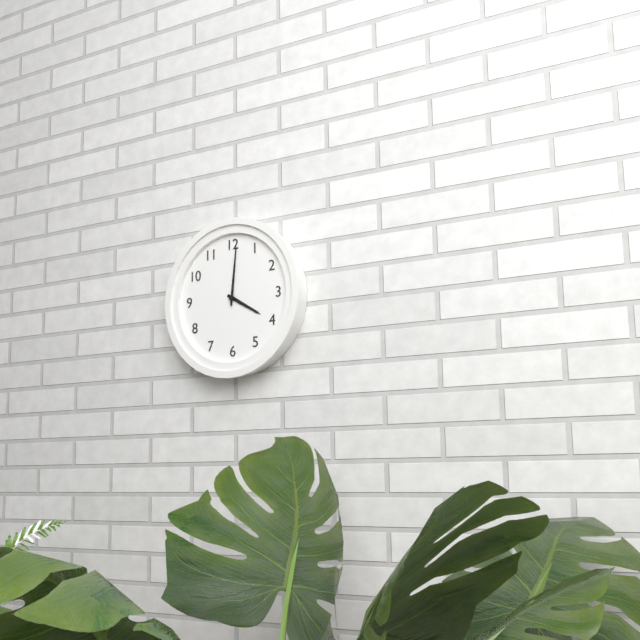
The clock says 4,01
